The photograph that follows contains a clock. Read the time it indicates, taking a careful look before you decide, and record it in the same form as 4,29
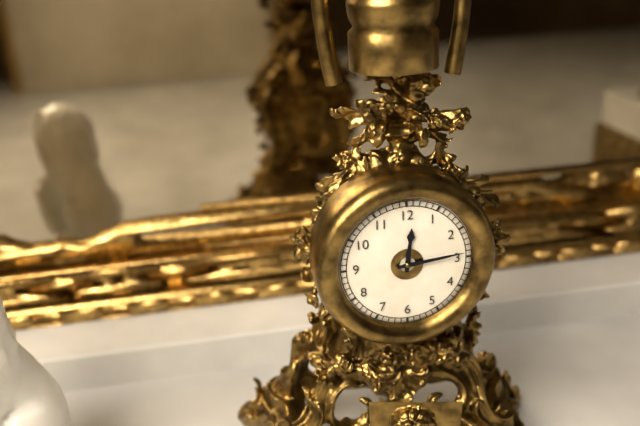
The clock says 12,14
